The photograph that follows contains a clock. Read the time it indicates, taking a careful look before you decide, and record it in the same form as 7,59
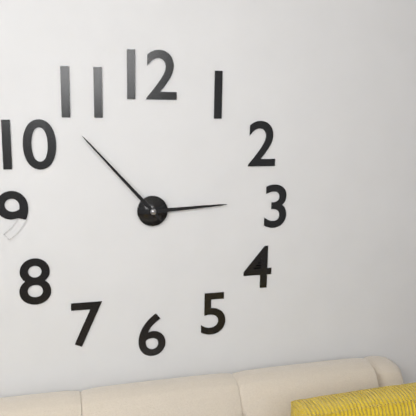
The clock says 2,53
